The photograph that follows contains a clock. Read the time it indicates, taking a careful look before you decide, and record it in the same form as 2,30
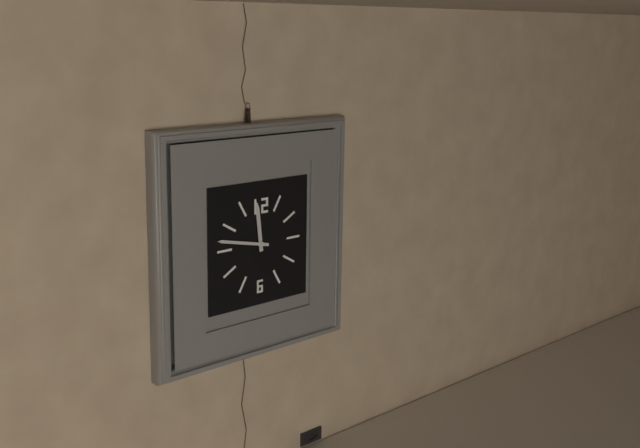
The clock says 11,47
